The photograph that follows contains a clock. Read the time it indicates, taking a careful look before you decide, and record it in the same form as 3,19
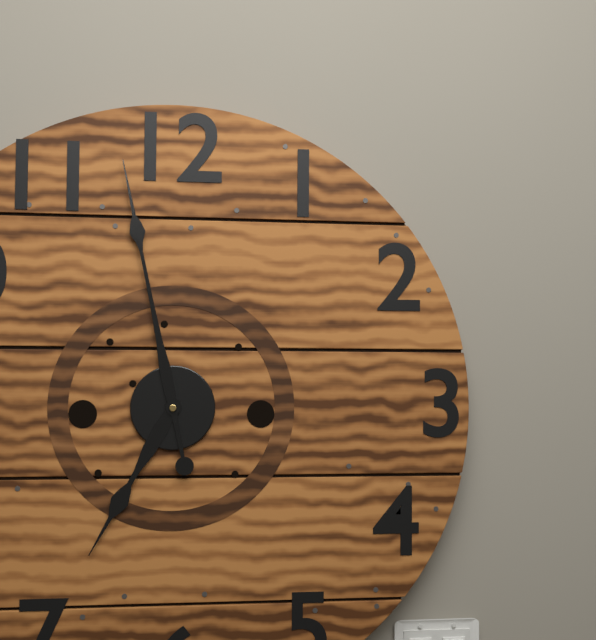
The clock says 6,58
